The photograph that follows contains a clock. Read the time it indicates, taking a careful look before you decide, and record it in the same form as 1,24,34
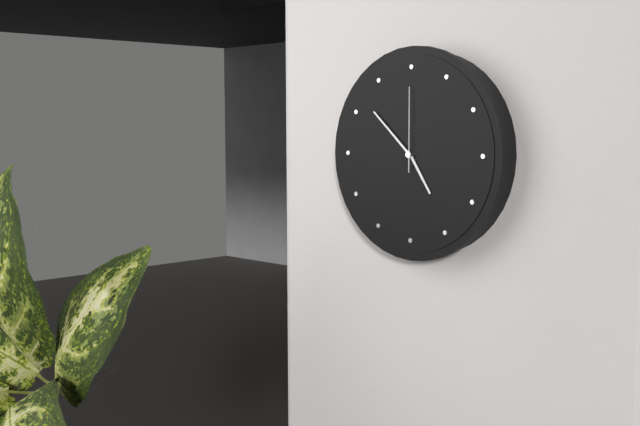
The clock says 4,52,00
